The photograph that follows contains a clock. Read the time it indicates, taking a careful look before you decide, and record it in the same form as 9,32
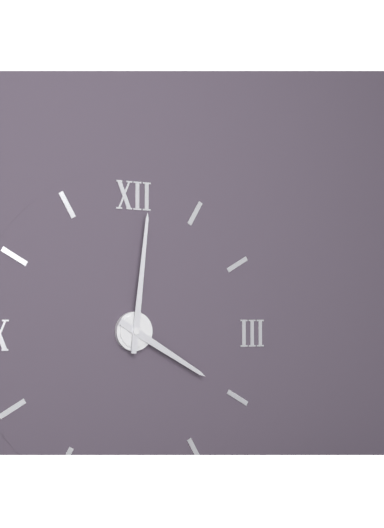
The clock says 4,01
